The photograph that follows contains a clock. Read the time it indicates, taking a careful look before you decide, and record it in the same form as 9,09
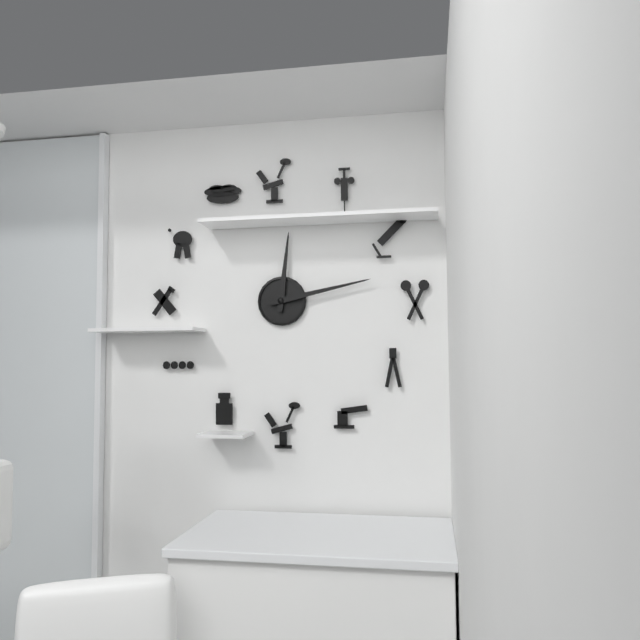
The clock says 12,13
